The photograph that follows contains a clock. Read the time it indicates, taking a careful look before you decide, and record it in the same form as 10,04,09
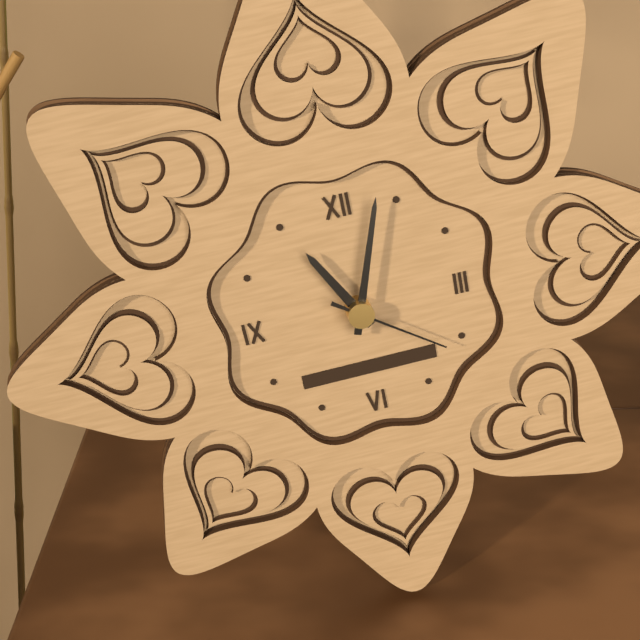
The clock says 11,03,21
